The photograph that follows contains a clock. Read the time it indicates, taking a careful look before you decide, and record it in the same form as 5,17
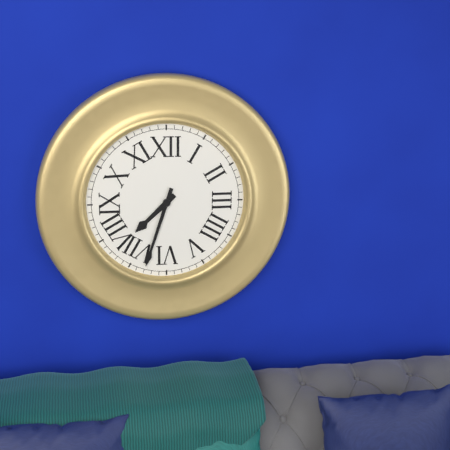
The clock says 7,33
